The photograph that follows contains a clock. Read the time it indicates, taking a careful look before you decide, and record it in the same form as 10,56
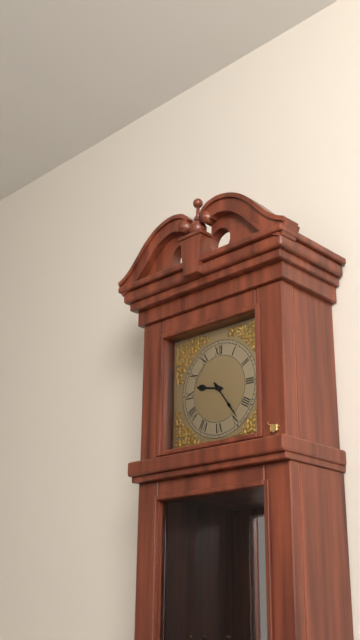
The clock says 9,24
